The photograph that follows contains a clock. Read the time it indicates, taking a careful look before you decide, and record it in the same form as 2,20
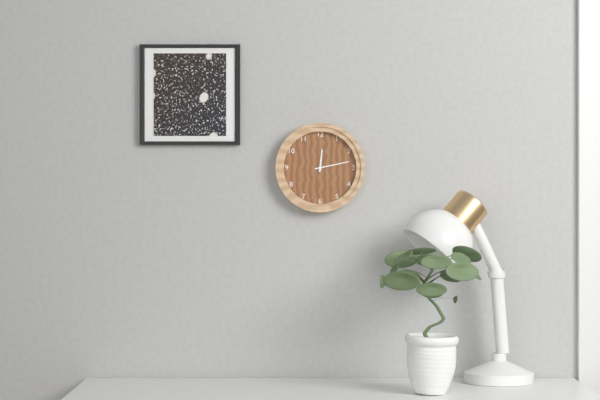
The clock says 12,13
